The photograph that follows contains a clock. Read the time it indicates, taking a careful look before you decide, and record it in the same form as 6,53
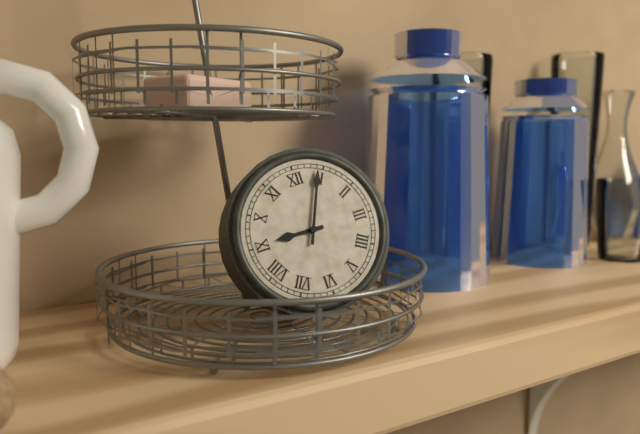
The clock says 9,04
